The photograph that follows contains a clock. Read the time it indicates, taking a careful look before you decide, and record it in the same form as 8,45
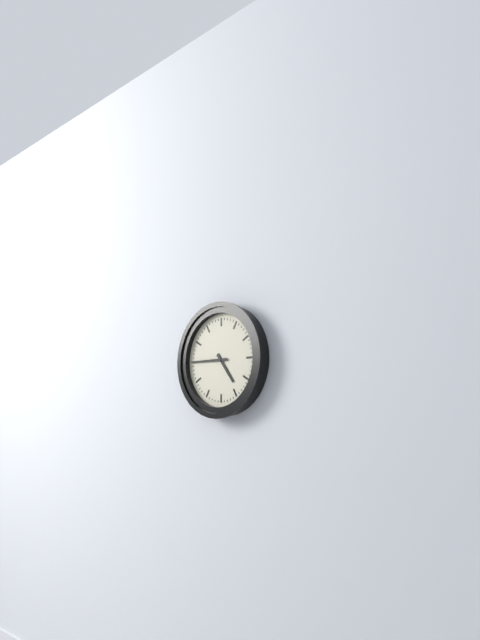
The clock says 4,45
